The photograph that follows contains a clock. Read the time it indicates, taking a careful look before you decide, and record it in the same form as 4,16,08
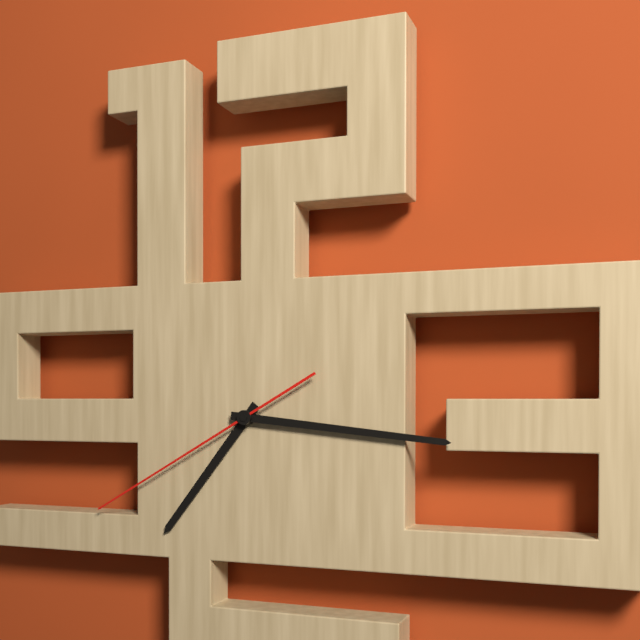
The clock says 7,16,40
